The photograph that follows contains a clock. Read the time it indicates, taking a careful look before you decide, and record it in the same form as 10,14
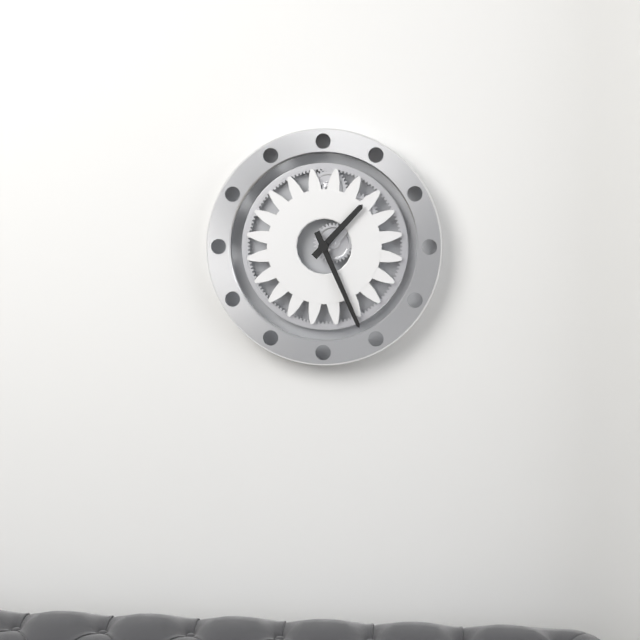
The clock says 1,26
